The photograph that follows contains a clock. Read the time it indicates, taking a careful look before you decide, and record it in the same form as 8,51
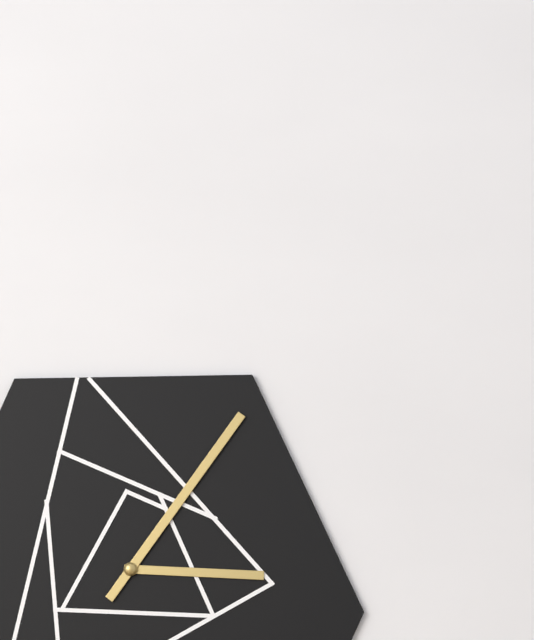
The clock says 3,06
